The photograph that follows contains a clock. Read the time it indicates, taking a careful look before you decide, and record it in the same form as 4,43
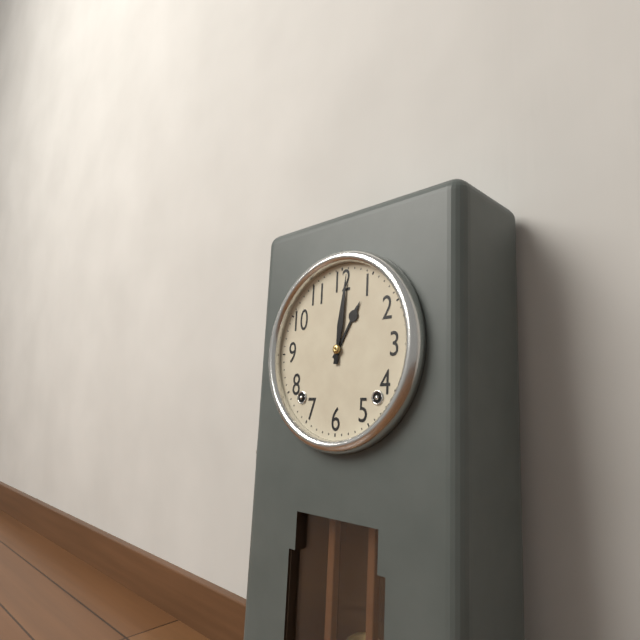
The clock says 1,01
